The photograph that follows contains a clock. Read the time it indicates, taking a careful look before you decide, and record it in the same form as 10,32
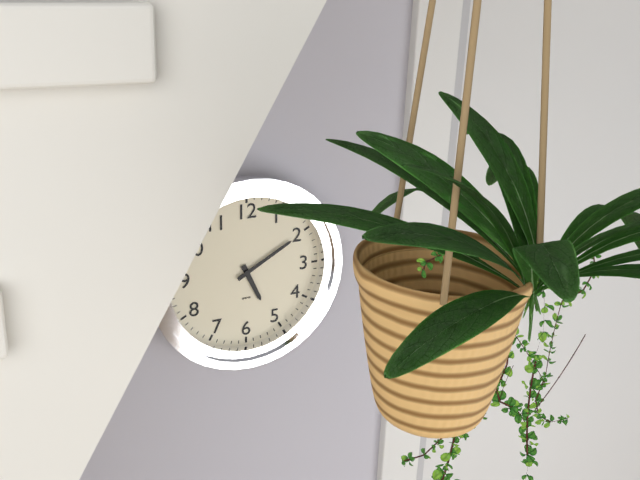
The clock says 5,10
